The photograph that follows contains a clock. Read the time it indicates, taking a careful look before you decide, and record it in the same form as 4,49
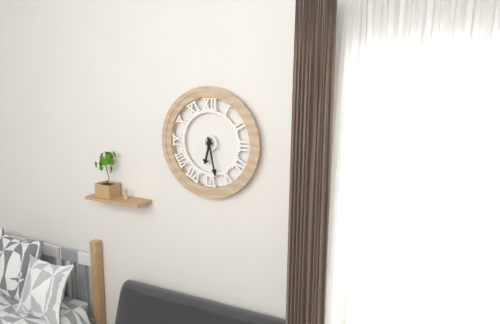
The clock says 6,28
